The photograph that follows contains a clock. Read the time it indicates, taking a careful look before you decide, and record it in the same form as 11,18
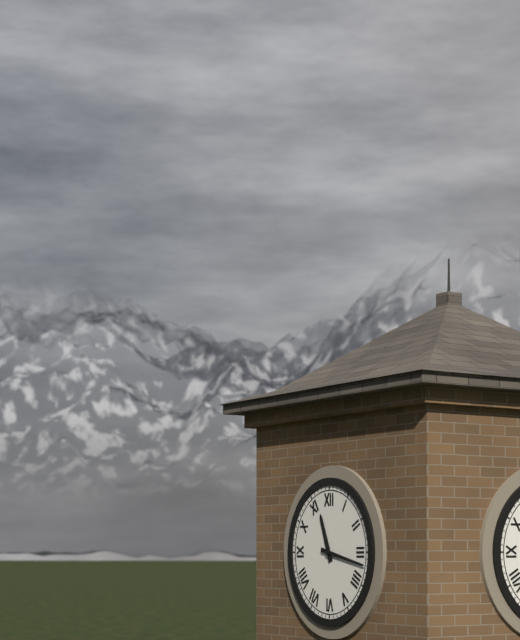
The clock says 11,17
